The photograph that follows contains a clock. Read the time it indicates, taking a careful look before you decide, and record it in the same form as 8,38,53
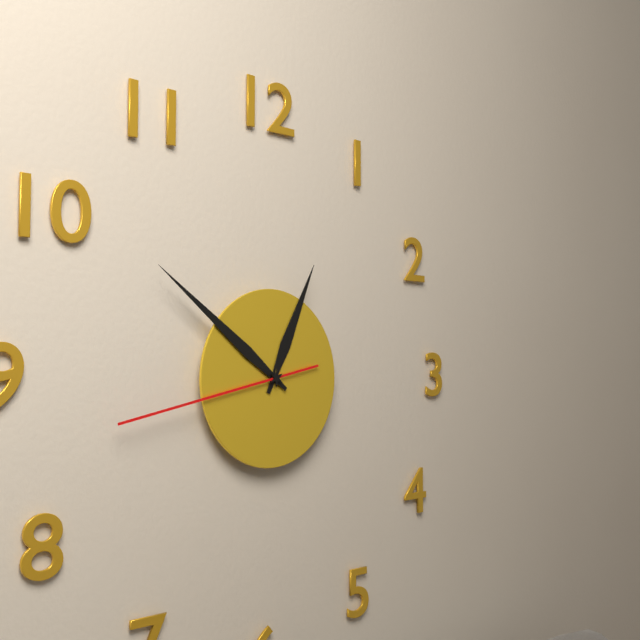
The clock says 12,51,43
